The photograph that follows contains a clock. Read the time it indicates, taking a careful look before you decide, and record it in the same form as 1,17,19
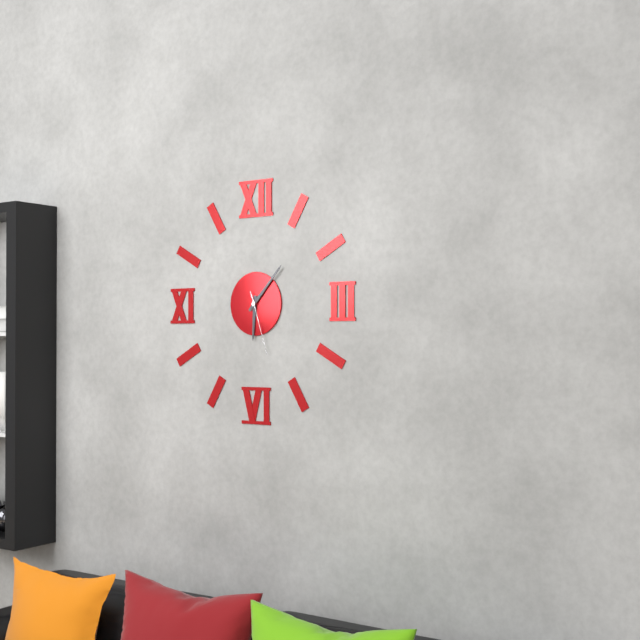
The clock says 6,07,27
